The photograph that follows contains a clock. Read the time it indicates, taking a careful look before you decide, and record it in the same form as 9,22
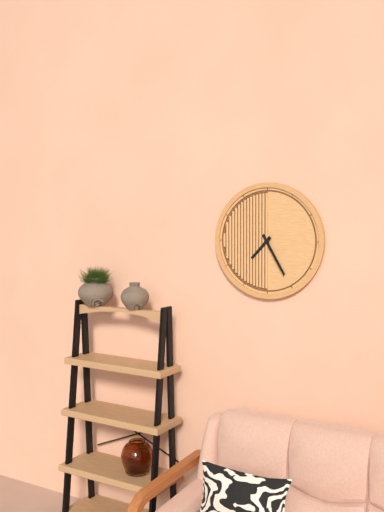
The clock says 7,25
